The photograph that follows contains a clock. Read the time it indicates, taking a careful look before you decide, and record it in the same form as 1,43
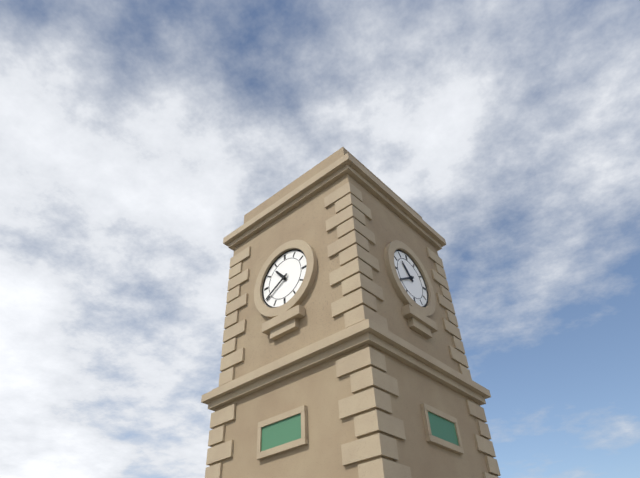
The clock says 10,40
